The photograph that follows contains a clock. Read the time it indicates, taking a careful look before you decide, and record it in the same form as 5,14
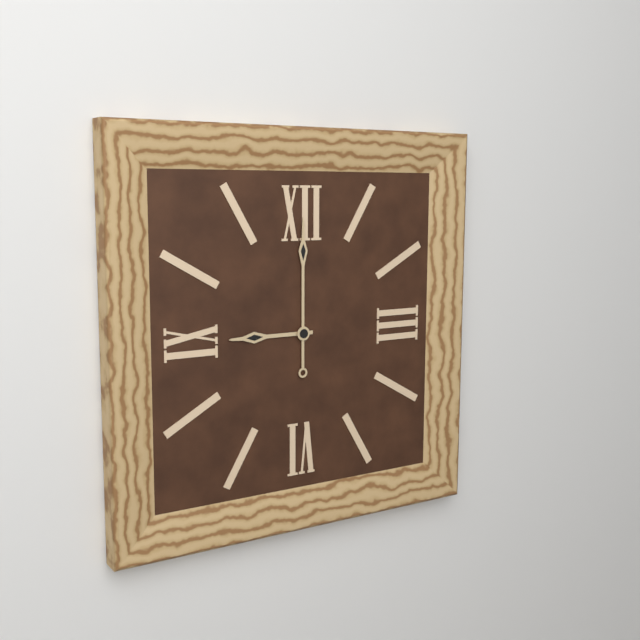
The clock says 9,00
